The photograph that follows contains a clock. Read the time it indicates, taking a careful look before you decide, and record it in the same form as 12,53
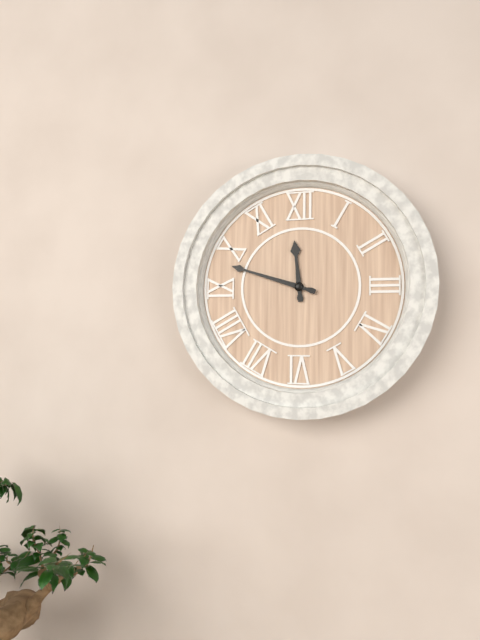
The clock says 11,48
